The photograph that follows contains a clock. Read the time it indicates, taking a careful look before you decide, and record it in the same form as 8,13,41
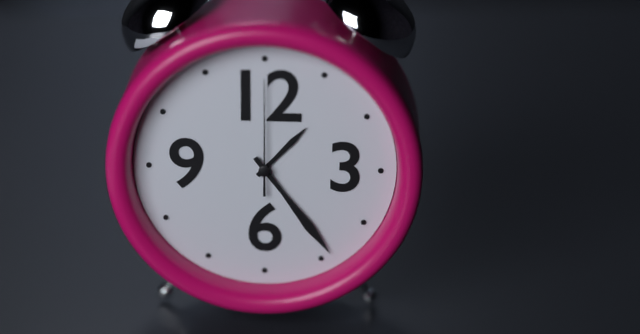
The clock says 1,24,00
